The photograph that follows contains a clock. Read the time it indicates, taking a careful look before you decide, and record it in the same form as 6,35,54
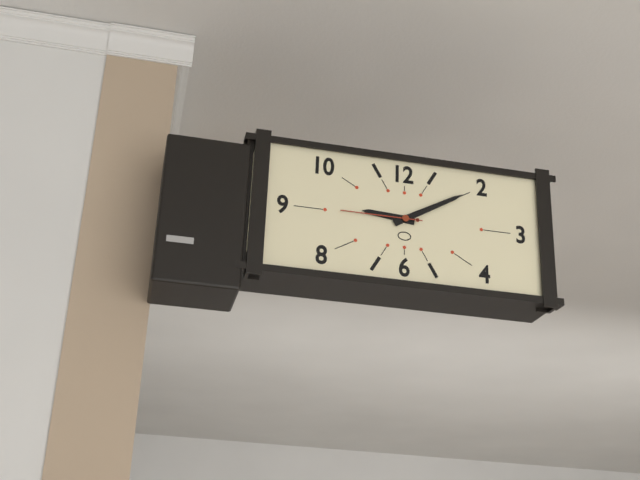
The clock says 9,10,45
